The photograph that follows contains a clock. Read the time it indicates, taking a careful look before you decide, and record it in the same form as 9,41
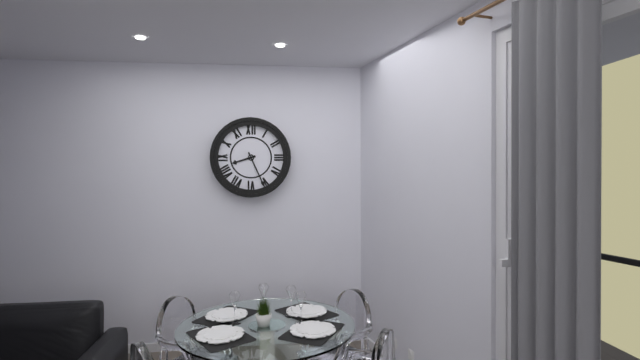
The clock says 8,26
